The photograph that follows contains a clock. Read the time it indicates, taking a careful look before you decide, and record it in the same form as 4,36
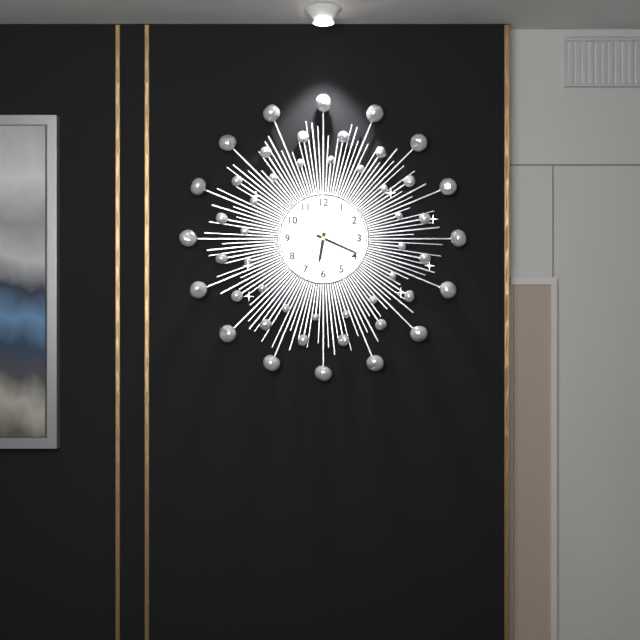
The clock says 6,19
